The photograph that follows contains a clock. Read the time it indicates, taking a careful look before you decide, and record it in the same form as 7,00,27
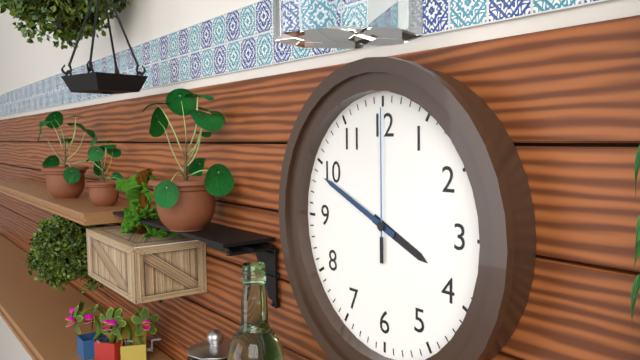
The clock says 3,49,00
